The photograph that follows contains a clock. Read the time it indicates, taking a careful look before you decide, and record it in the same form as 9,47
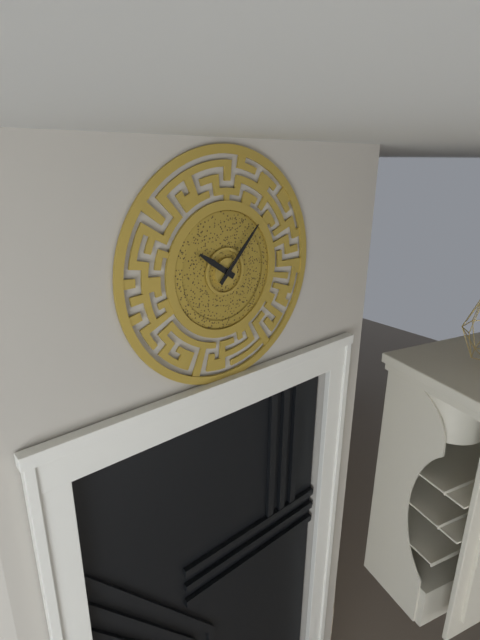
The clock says 10,07
